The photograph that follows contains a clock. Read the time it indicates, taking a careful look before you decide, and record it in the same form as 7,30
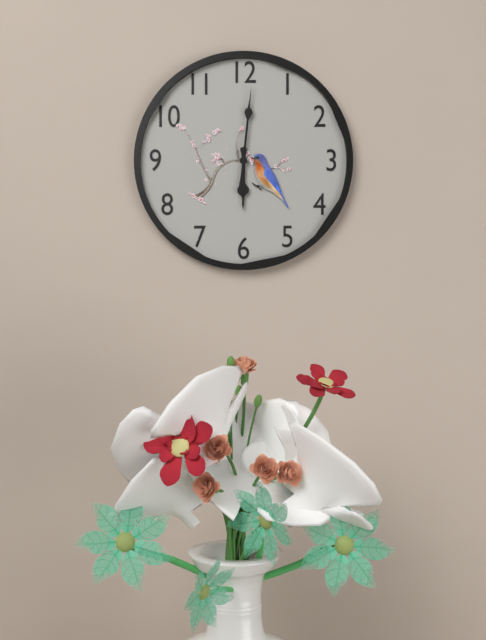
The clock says 6,01
